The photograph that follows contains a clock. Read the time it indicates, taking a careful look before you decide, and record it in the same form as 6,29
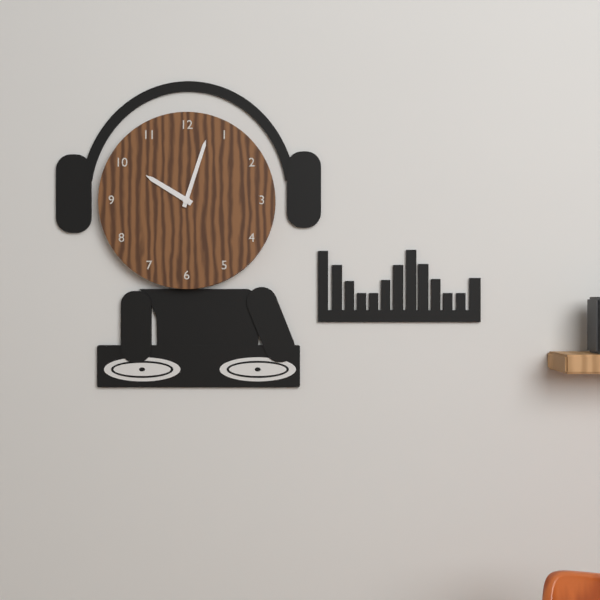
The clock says 10,03
